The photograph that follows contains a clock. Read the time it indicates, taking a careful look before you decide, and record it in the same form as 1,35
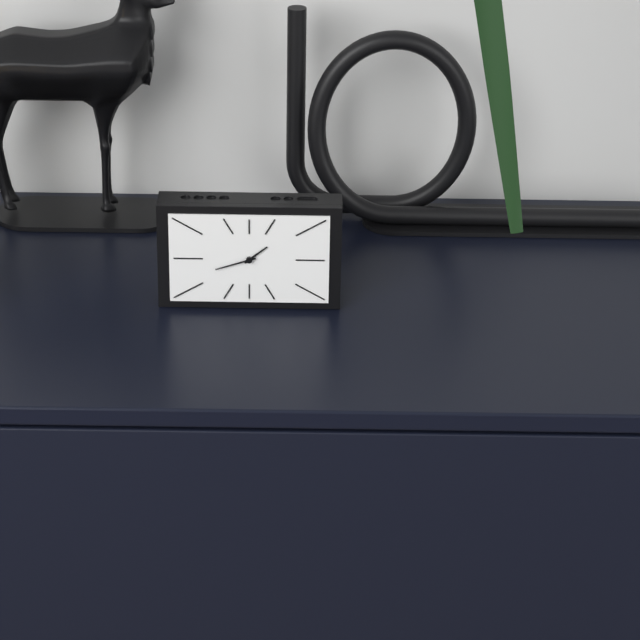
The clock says 1,42
